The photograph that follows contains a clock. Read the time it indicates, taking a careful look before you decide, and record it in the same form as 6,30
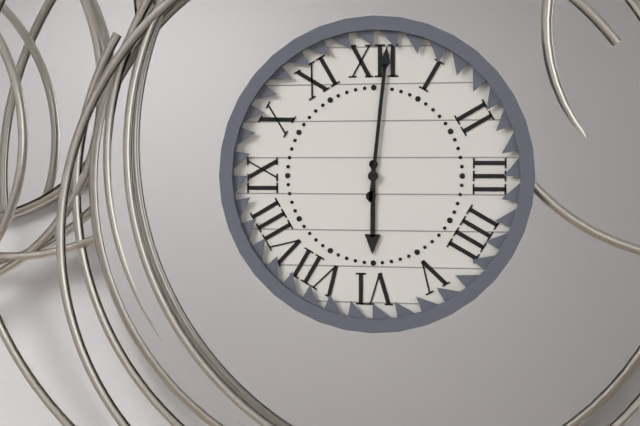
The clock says 6,01
